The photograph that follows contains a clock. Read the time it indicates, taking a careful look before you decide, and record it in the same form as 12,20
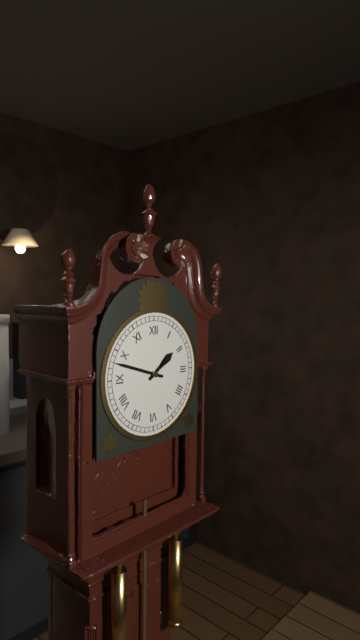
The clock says 1,48
